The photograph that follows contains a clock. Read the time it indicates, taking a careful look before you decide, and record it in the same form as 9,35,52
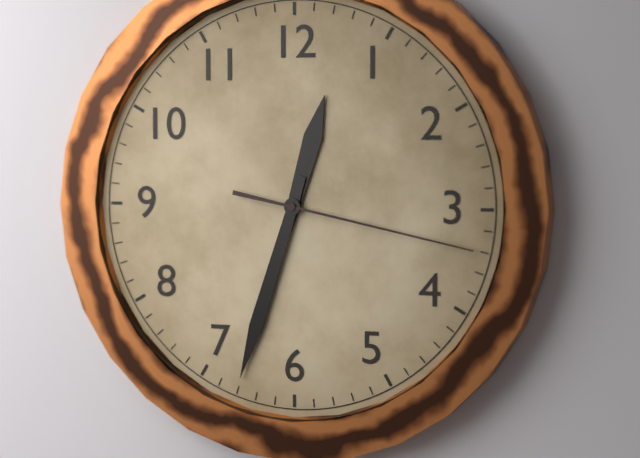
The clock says 12,33,17
